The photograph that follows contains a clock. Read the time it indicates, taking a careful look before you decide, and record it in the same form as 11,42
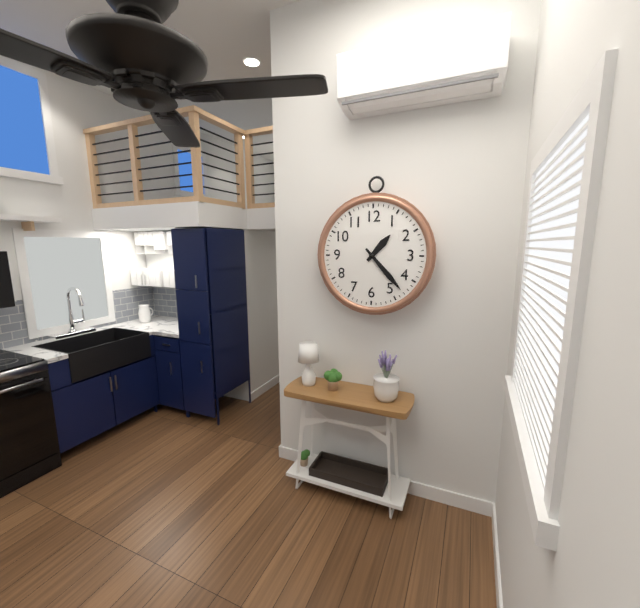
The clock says 1,23
